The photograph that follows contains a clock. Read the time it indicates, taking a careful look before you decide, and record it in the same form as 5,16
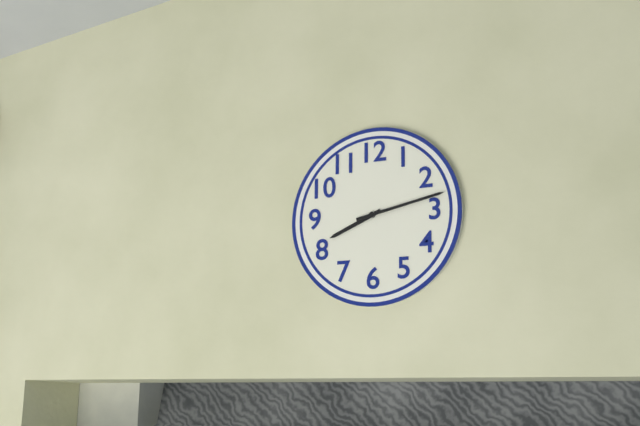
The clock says 8,13
